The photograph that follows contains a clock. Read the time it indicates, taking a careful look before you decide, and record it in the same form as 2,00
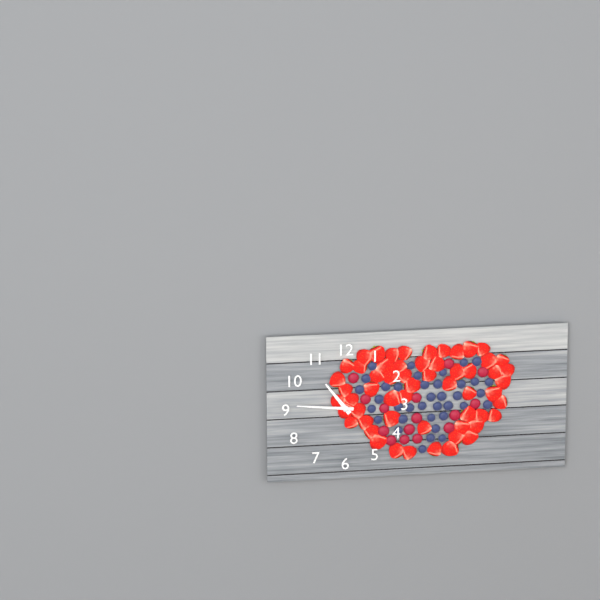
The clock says 10,46
